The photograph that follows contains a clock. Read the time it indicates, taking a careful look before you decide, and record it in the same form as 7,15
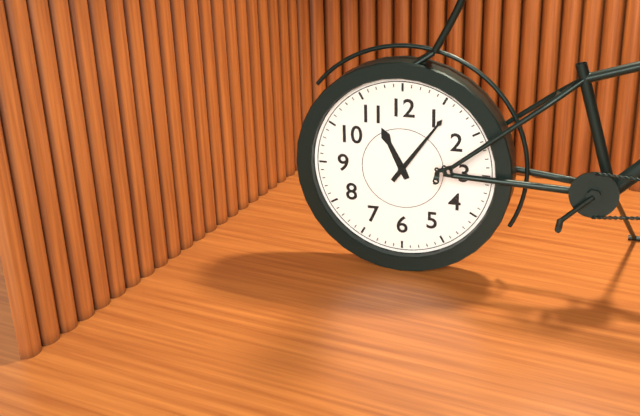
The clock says 11,06
